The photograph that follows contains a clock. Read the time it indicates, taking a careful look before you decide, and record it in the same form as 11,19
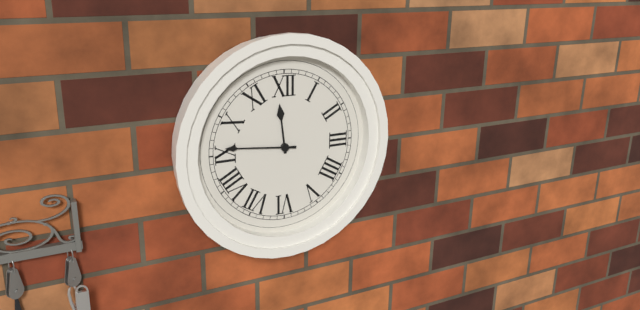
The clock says 11,46
